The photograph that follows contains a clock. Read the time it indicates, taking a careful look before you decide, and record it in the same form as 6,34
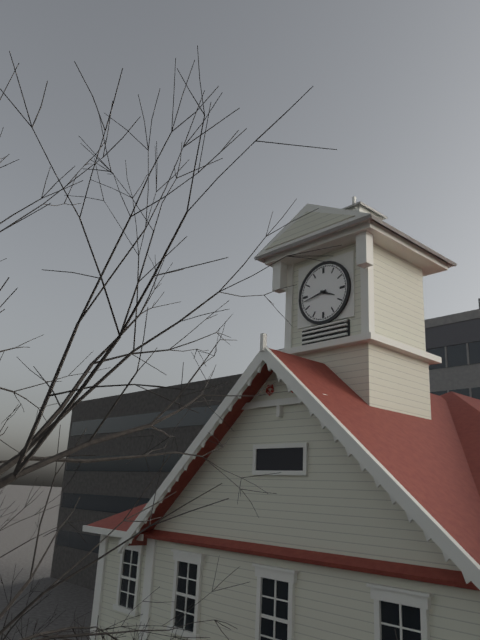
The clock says 3,43
